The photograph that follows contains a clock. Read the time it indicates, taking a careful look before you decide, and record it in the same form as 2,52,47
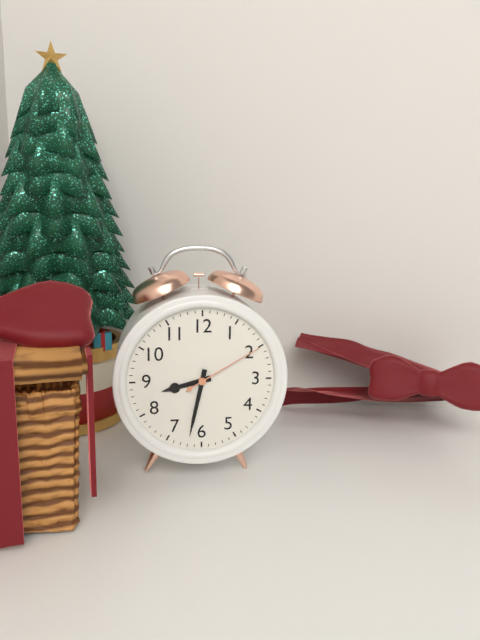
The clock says 8,32,10
